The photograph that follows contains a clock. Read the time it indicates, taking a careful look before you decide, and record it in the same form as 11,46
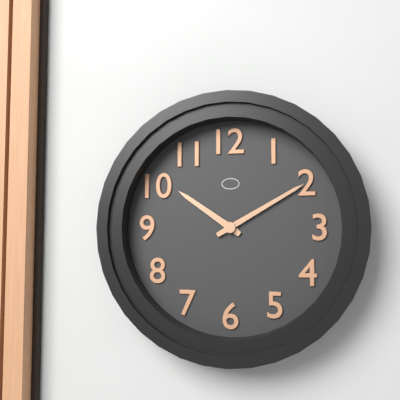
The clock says 10,10
